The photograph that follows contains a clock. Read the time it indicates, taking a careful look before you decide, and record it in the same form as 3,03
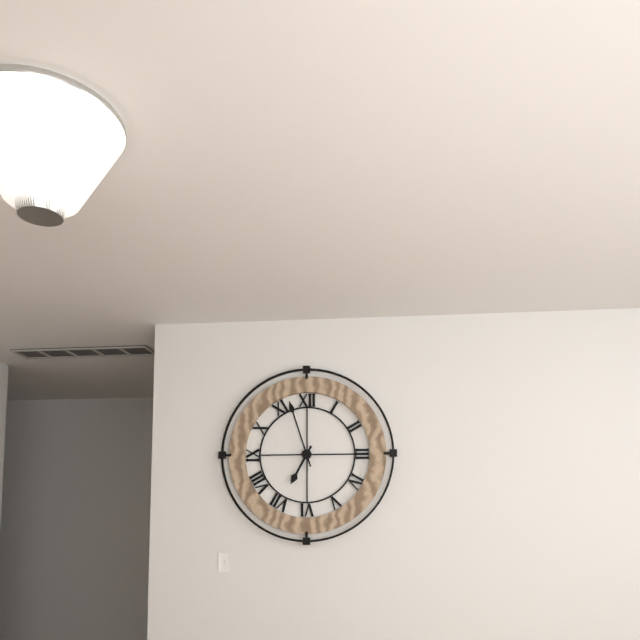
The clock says 6,57
